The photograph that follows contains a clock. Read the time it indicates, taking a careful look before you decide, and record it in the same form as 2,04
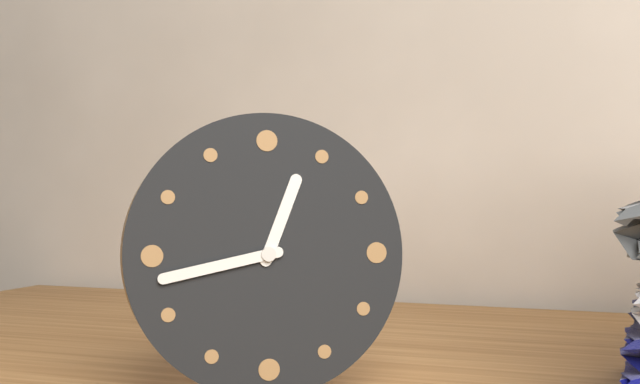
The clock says 12,43
